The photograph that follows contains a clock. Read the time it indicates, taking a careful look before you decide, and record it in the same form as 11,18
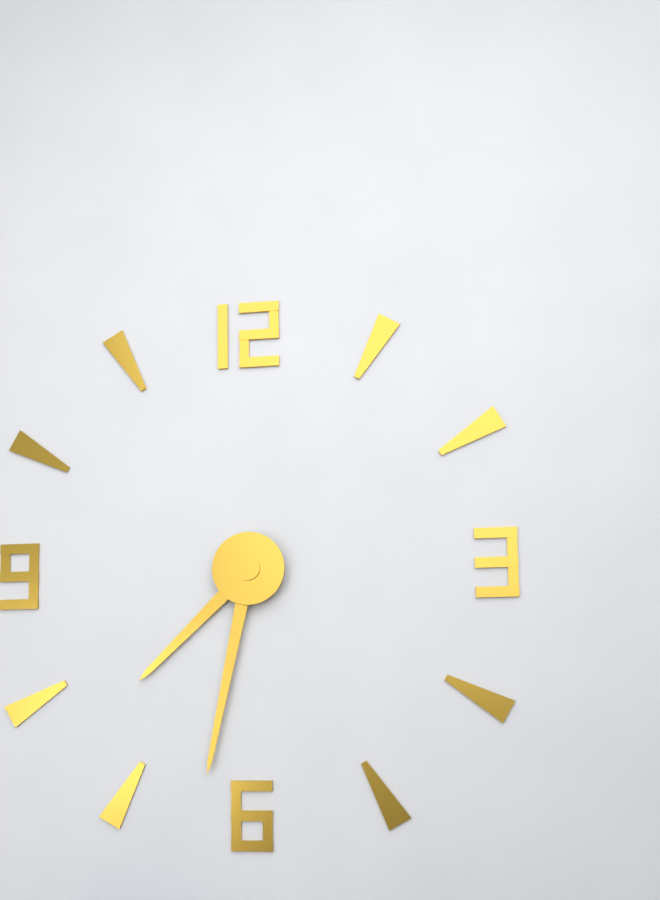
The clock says 7,32
